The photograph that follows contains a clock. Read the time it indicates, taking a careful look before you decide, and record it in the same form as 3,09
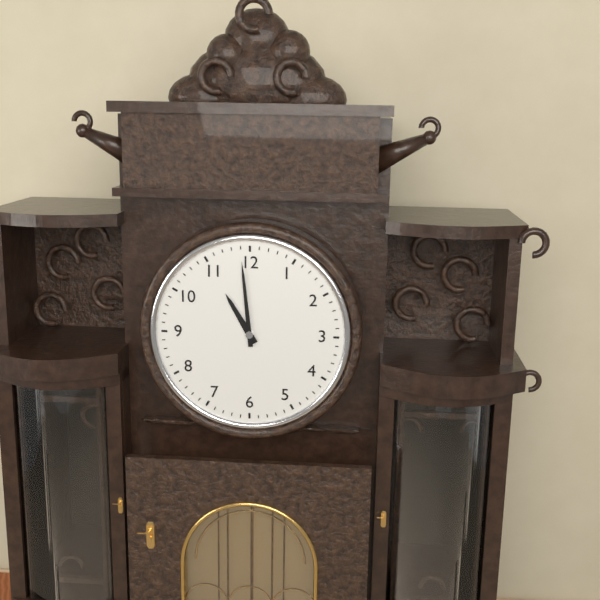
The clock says 10,59
